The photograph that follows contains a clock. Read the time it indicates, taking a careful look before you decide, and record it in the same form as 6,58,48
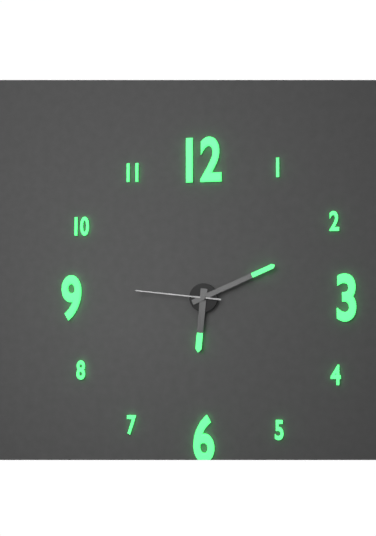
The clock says 6,11,46
